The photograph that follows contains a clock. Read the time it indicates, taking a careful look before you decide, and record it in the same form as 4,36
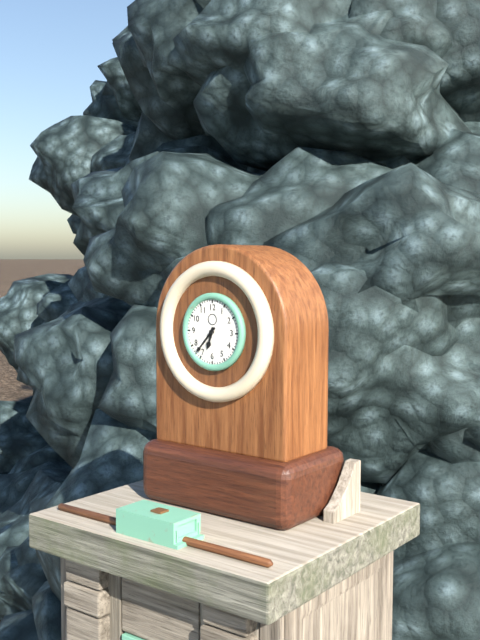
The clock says 6,37
